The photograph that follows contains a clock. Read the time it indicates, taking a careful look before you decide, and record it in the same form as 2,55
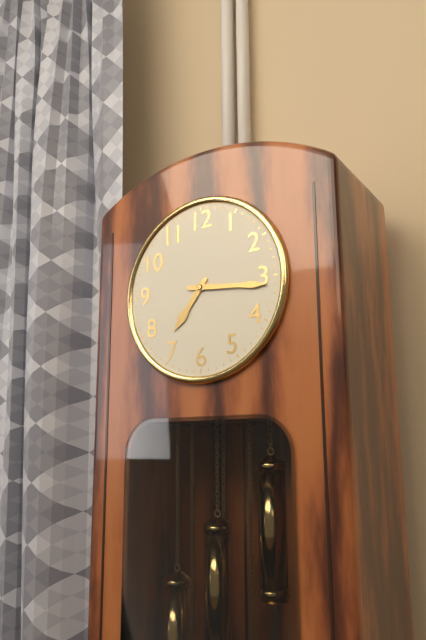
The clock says 7,16
